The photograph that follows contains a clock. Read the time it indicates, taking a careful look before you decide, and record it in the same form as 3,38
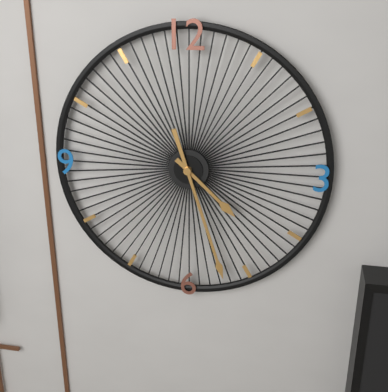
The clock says 4,27
